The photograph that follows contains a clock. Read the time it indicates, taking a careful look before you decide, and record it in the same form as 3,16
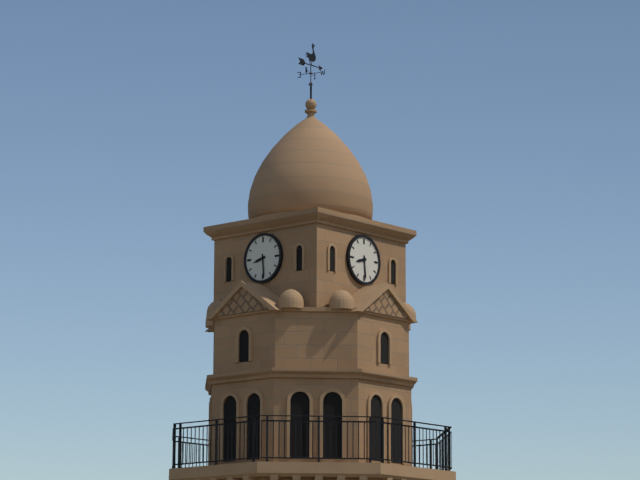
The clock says 8,29
